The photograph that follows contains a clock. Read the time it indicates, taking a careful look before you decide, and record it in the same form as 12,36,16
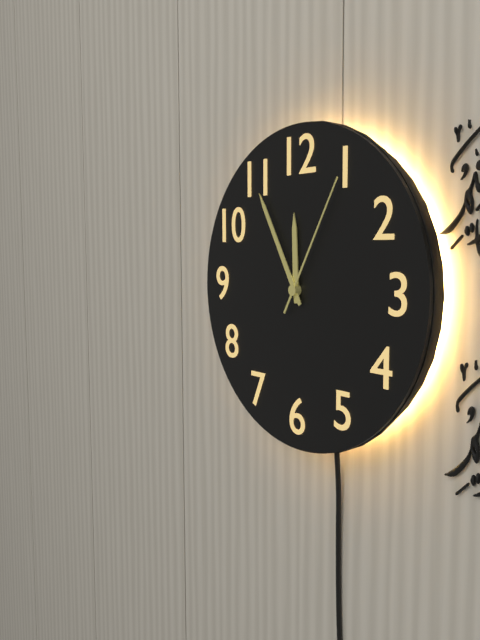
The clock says 11,55,05
